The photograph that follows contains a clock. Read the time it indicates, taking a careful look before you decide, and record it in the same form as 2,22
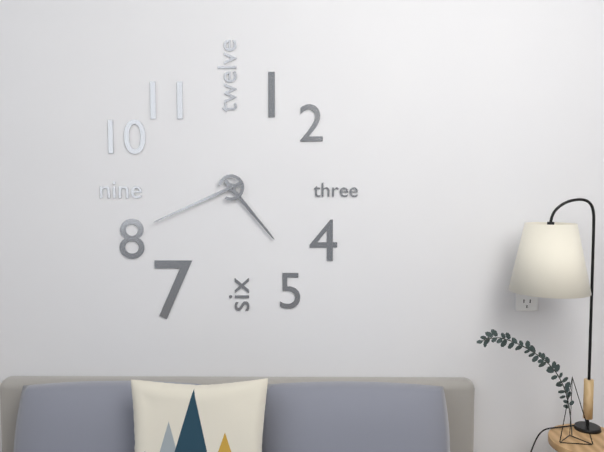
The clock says 4,41
